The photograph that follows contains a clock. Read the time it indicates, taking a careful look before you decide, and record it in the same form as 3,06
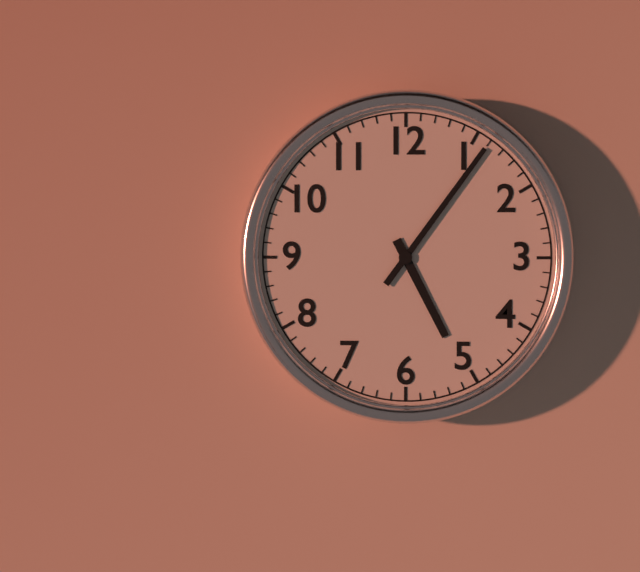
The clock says 5,06
